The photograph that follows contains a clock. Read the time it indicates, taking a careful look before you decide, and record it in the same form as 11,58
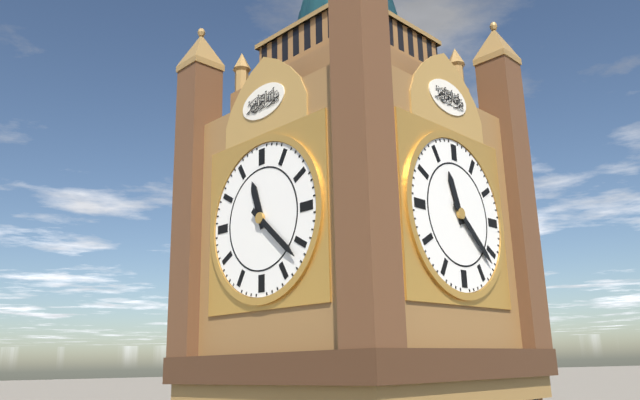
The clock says 11,22
